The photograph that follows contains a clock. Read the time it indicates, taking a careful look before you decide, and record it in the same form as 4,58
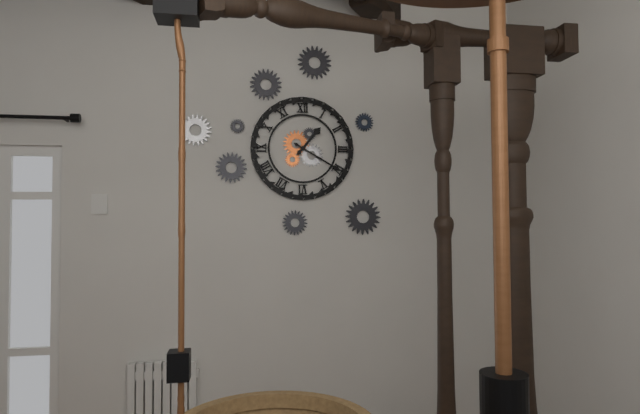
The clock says 1,20
